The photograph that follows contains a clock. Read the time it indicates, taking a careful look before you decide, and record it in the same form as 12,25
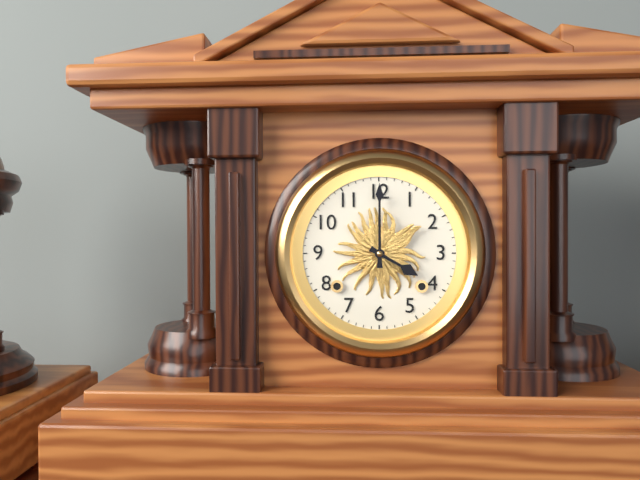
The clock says 4,00
